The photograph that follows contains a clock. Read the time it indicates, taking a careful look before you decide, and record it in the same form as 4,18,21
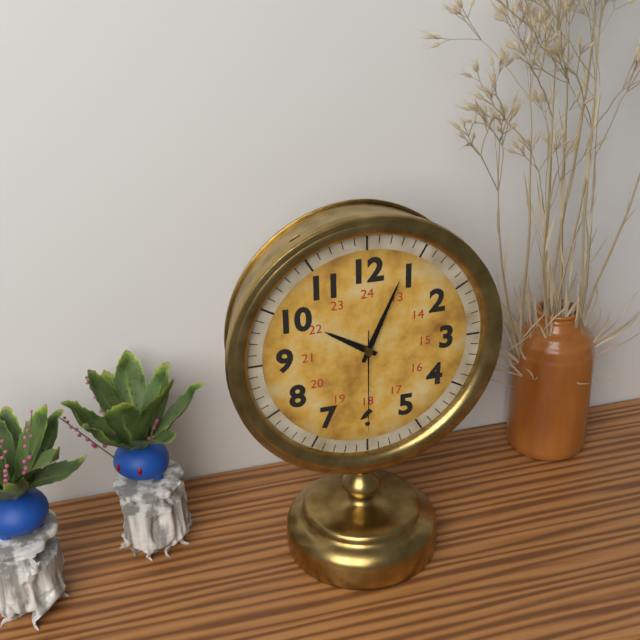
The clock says 10,04,30
